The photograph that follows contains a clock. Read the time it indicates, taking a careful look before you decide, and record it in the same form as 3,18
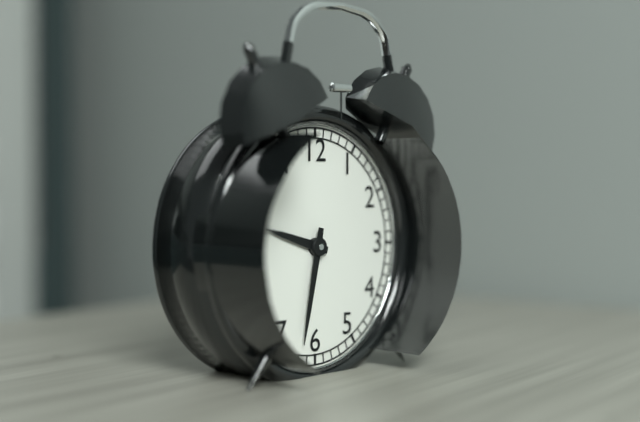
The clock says 9,32
